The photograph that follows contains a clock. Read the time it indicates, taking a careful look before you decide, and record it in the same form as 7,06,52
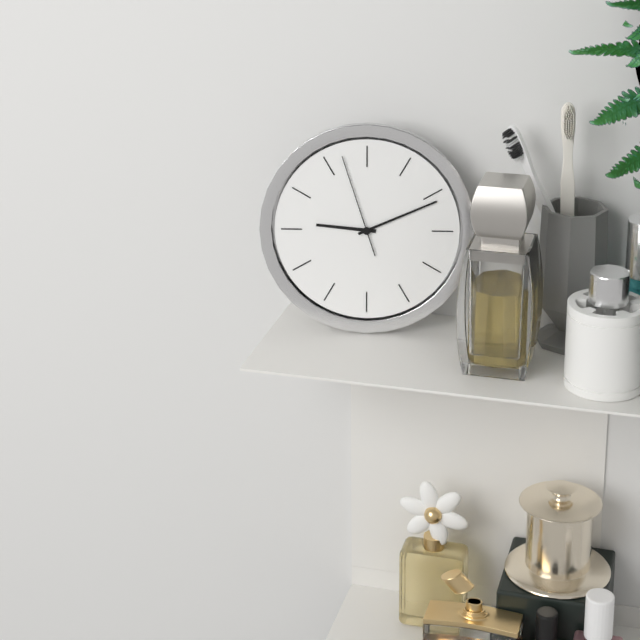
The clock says 9,11,57
